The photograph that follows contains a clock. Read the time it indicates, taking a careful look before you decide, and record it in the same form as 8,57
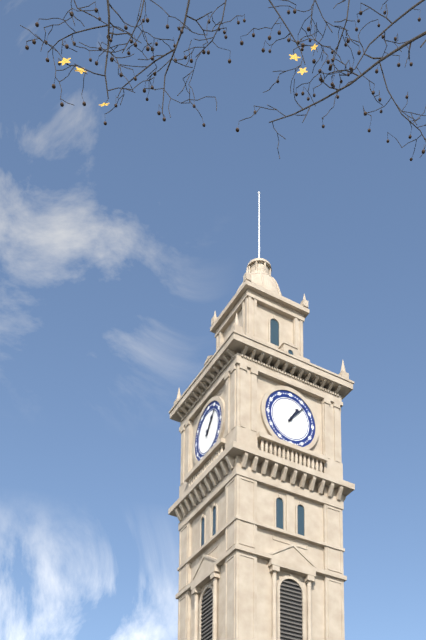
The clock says 1,07
